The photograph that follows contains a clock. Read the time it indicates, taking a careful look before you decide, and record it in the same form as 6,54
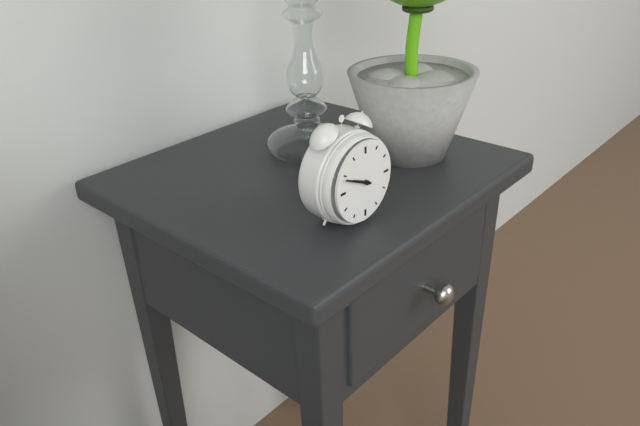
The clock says 9,49
